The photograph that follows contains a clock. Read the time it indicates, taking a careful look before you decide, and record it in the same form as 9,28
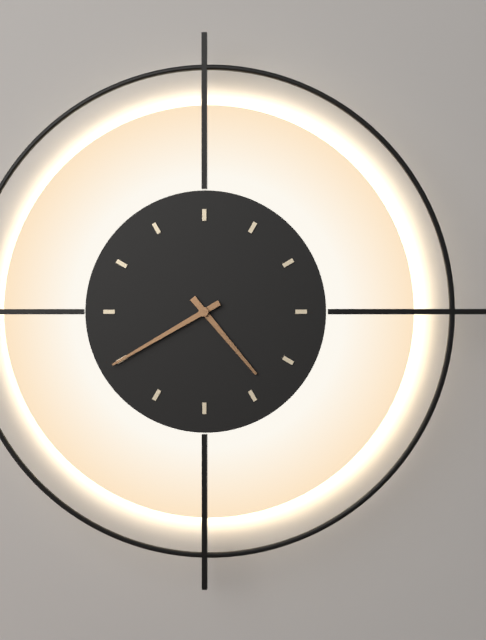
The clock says 4,40
